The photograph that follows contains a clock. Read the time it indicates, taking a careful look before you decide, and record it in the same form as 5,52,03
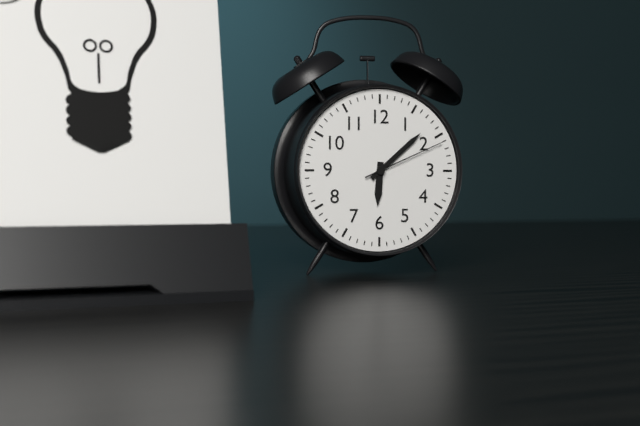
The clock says 6,08,11
